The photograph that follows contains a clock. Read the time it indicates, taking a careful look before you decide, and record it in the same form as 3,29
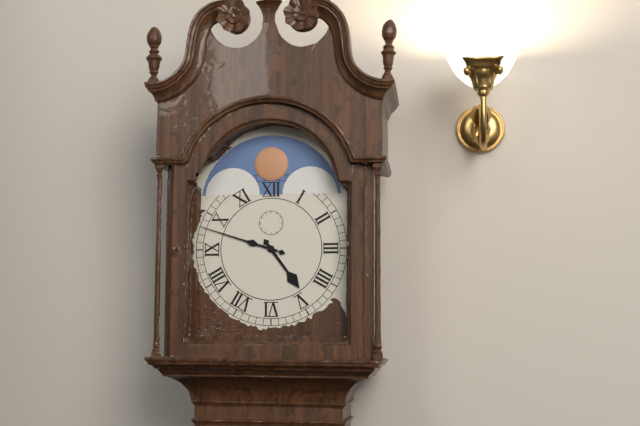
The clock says 4,48
